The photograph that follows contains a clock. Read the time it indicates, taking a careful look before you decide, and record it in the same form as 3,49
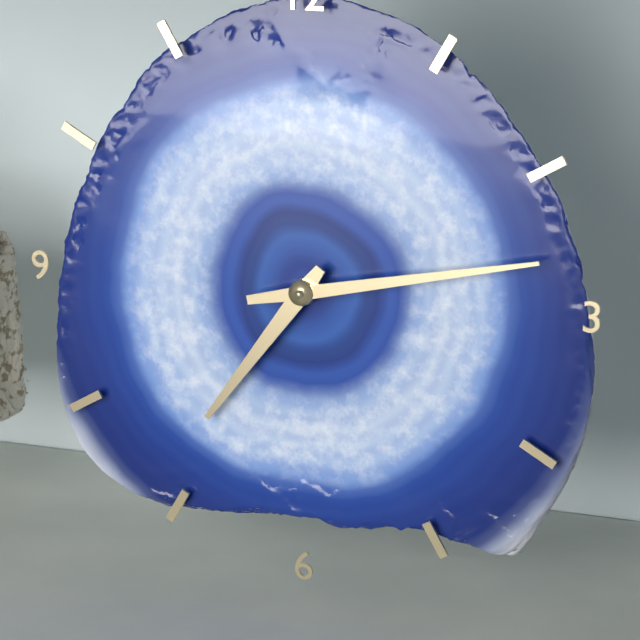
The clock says 7,13
